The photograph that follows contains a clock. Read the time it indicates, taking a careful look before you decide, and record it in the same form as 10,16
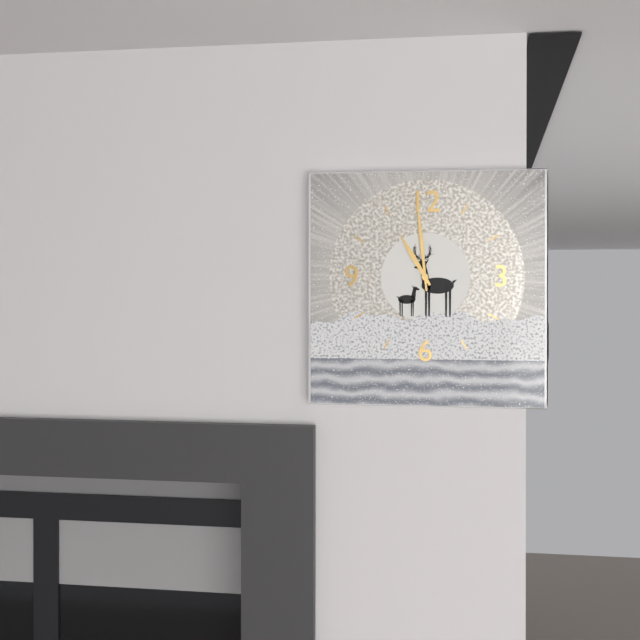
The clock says 10,59
